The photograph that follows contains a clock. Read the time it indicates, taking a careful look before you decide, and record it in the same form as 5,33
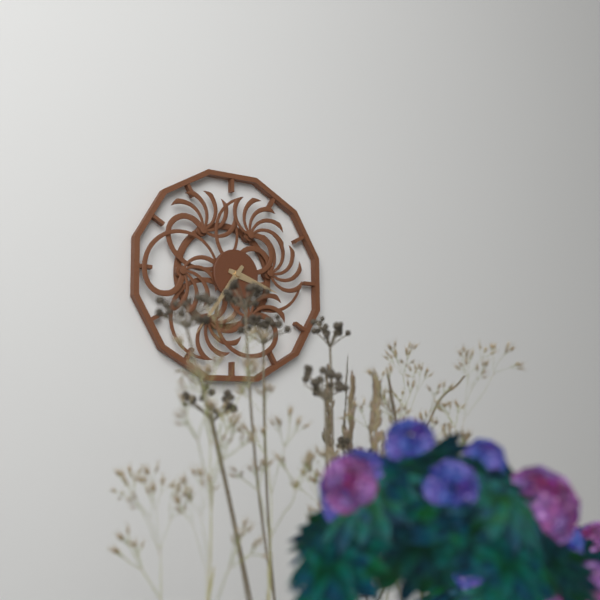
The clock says 3,36
